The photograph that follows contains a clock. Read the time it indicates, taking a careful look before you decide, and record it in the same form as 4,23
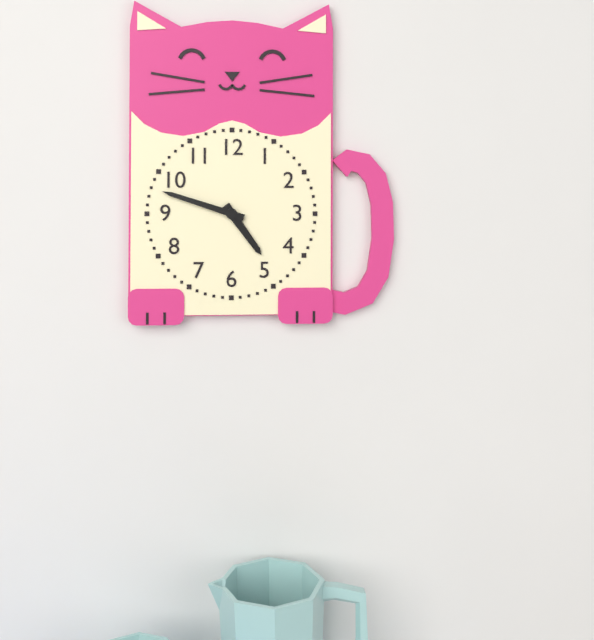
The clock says 4,48
